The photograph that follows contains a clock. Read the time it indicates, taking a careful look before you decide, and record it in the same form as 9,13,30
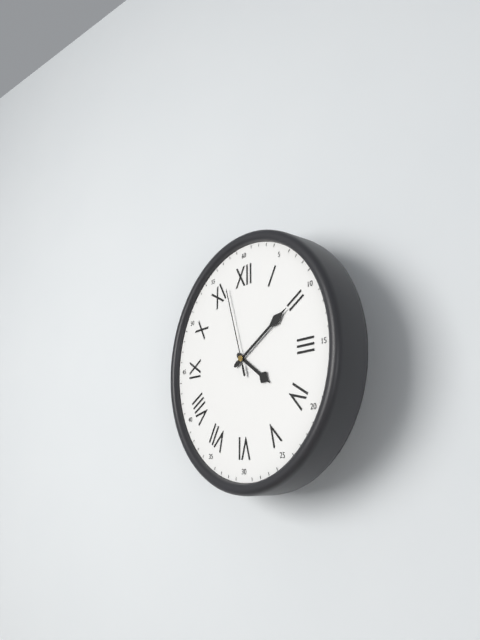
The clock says 4,10,57
